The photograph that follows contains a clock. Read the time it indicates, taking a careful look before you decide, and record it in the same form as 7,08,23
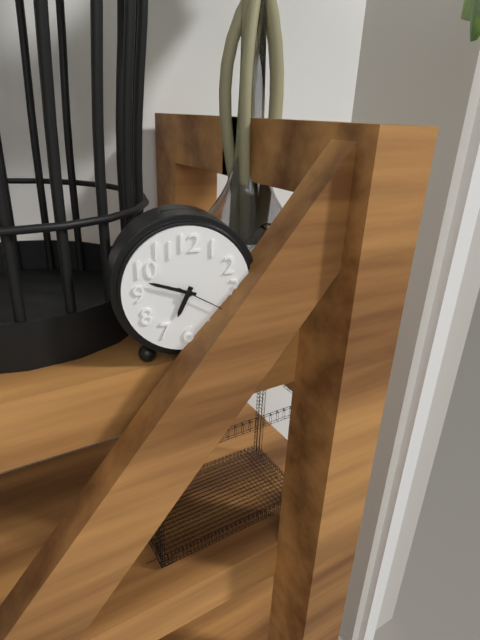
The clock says 6,48,20
